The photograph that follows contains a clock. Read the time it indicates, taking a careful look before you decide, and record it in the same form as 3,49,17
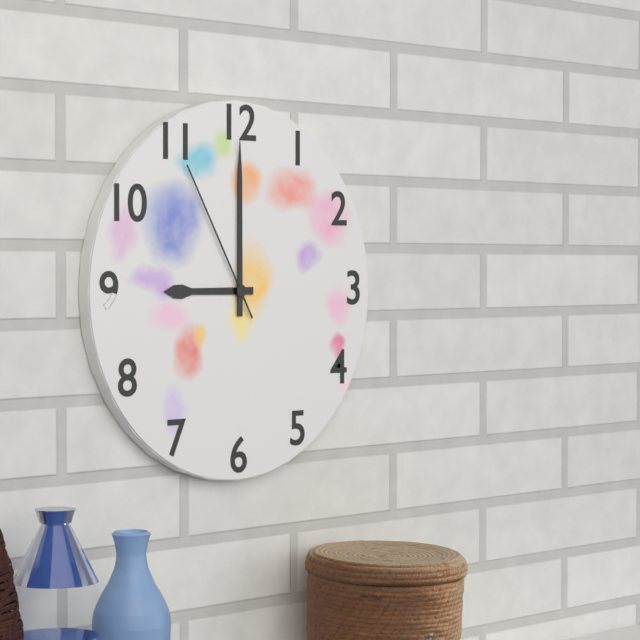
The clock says 9,00,55
